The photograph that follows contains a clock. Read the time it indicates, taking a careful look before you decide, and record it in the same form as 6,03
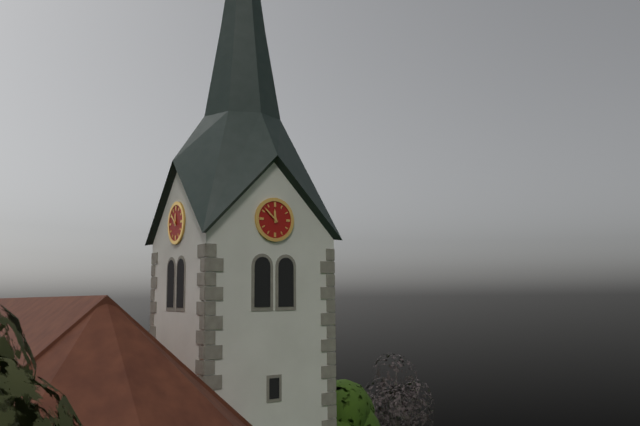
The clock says 11,52
